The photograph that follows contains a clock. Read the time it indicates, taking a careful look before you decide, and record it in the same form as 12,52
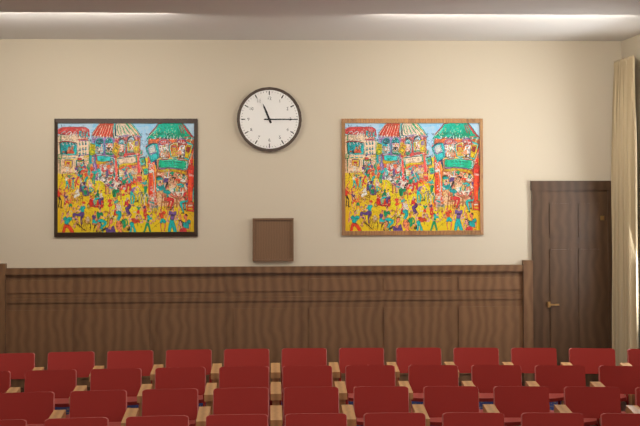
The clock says 11,15
